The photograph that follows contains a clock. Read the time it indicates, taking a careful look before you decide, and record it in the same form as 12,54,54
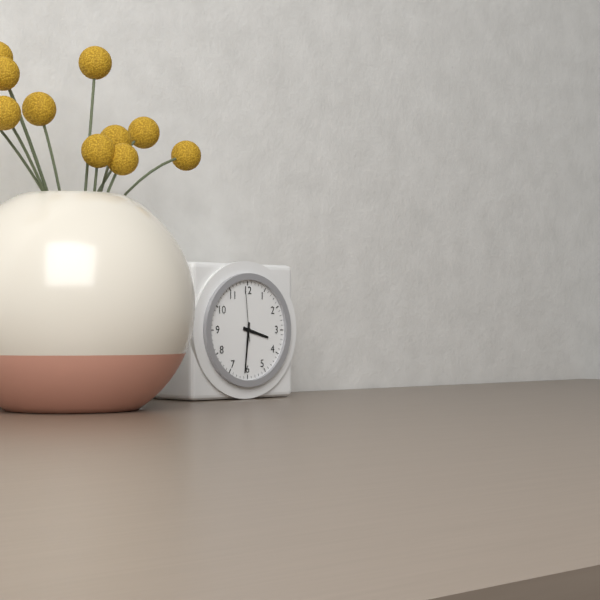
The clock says 3,31,59
